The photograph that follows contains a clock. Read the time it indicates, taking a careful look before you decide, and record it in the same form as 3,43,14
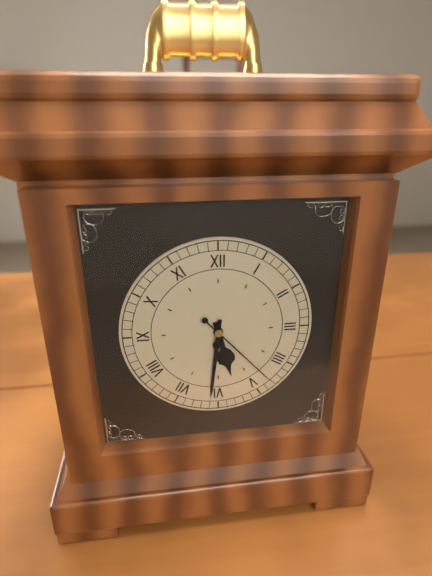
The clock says 5,31,23
